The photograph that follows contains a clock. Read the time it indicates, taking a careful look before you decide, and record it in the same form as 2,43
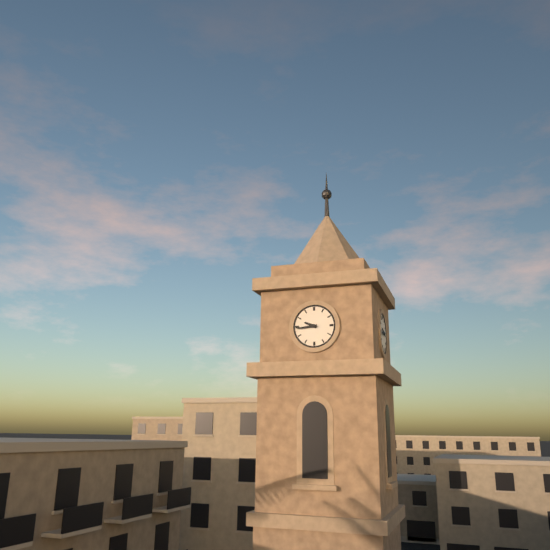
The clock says 9,44
